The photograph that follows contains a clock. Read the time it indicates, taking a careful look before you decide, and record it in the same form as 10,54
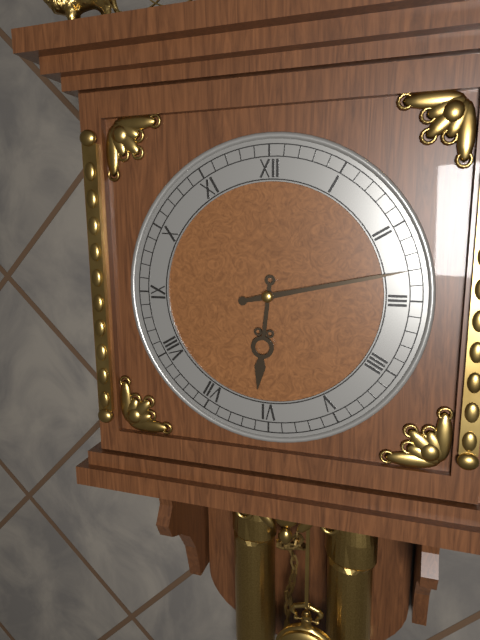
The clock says 6,13
